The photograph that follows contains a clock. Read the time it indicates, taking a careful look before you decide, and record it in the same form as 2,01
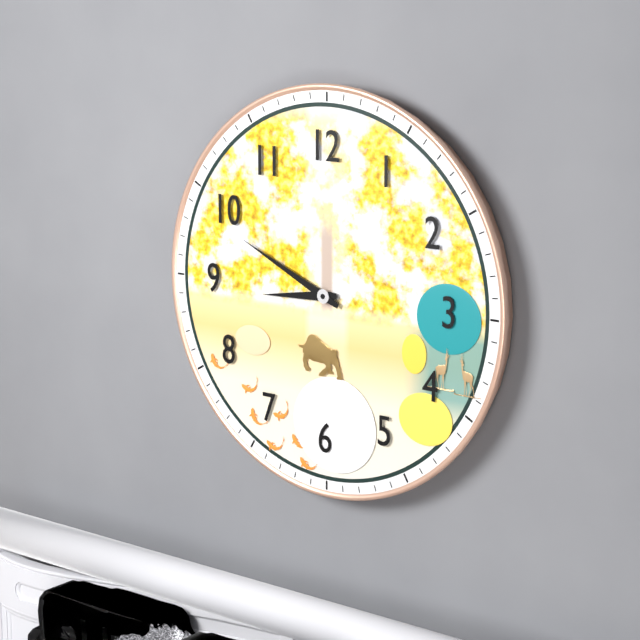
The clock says 8,49
